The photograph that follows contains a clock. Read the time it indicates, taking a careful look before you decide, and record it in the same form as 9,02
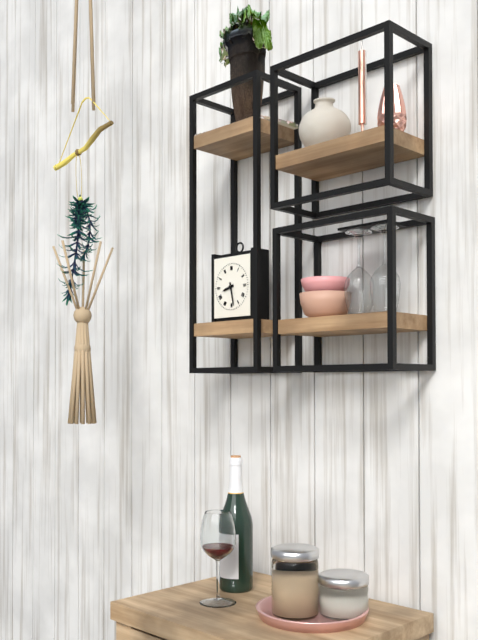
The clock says 8,28
